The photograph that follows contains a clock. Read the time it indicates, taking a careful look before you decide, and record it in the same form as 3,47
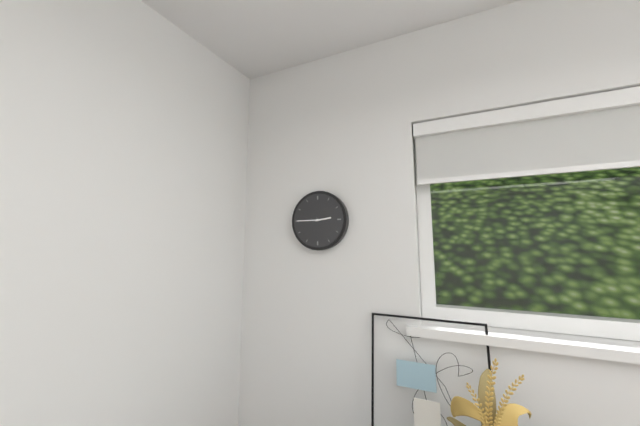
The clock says 2,45
